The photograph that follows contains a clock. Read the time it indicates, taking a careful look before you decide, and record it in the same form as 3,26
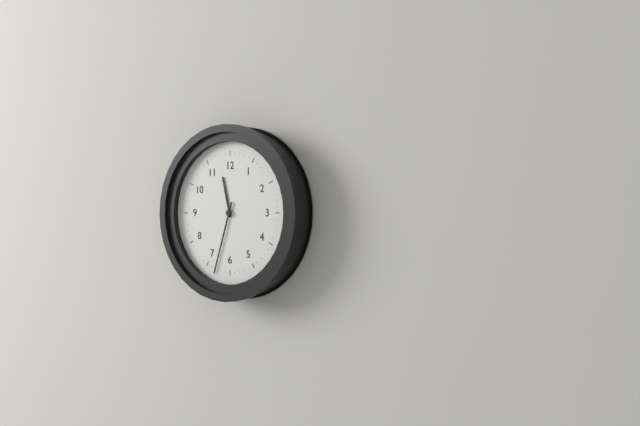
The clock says 11,33
